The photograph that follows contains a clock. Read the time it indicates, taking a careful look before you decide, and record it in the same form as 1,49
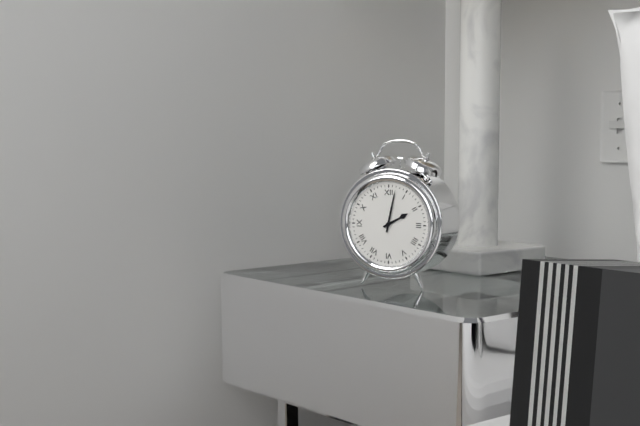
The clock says 2,02
